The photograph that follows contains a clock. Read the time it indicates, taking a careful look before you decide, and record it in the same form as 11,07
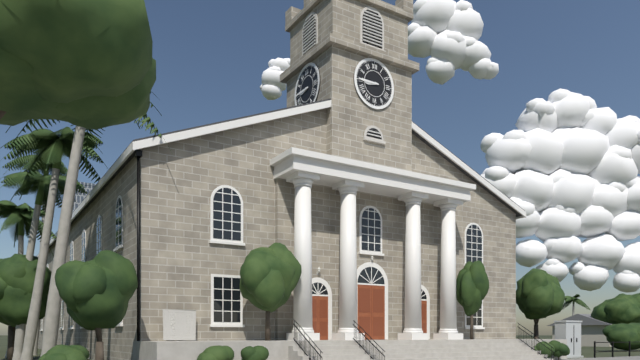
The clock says 8,45
